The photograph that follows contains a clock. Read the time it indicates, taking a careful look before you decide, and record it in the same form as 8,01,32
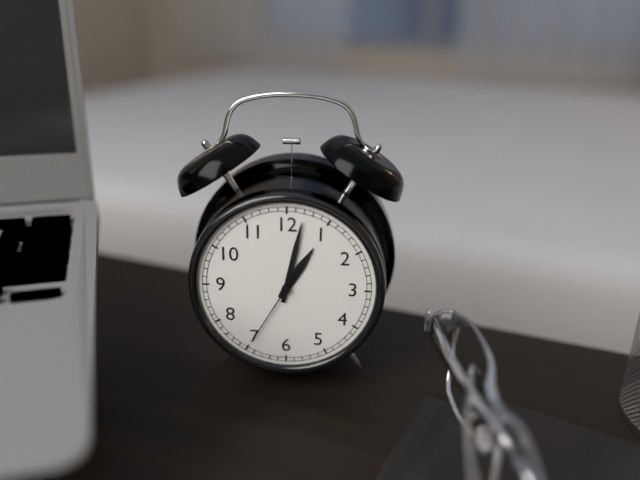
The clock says 1,02,35
